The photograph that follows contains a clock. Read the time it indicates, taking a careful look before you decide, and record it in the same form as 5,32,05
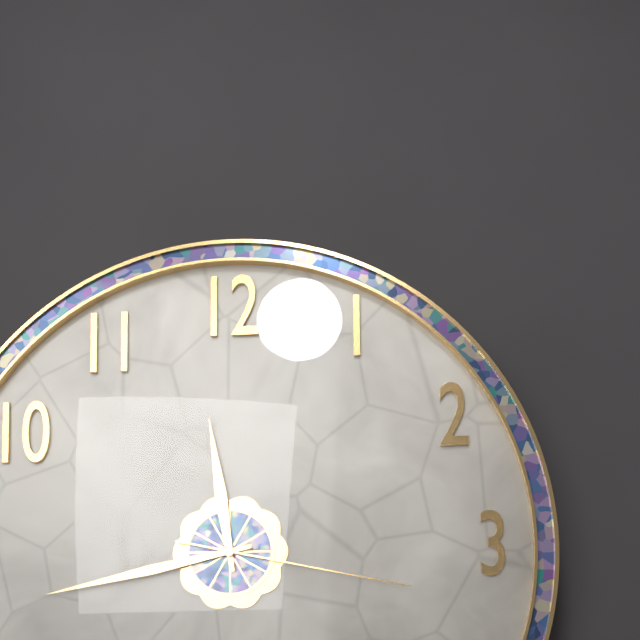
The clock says 11,43,17
